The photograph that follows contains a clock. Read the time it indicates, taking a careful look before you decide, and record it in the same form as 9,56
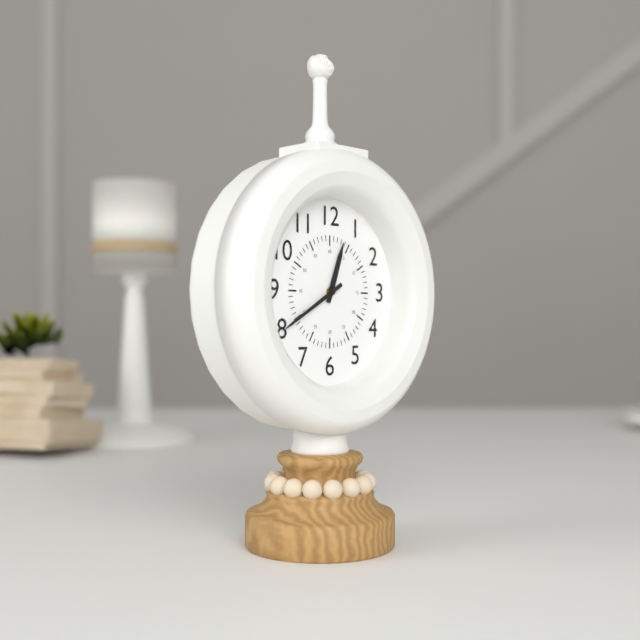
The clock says 12,40
